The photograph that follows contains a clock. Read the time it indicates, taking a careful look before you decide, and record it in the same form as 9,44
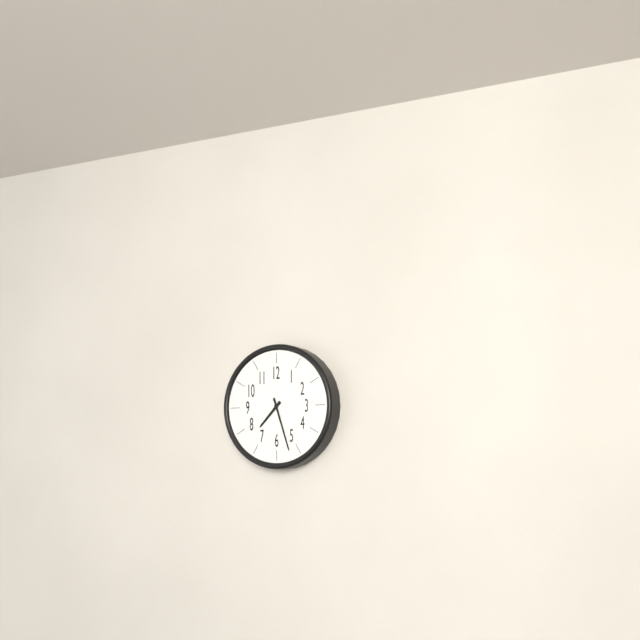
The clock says 7,27
